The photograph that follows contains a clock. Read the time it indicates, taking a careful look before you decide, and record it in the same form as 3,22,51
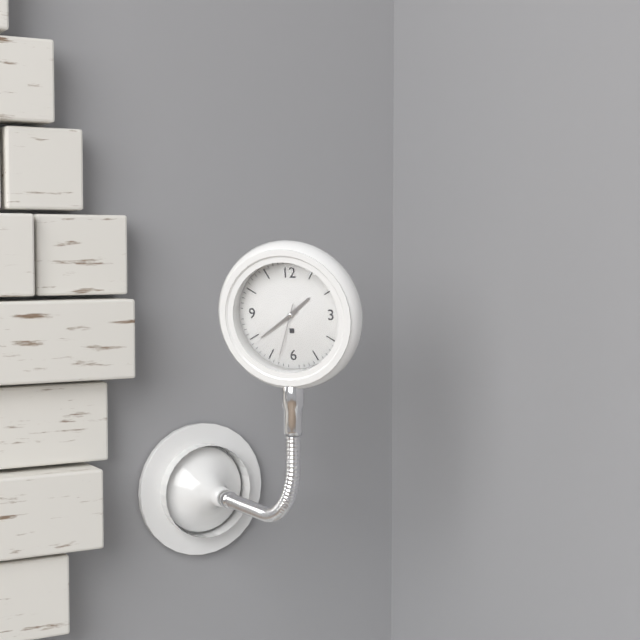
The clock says 1,39,33
